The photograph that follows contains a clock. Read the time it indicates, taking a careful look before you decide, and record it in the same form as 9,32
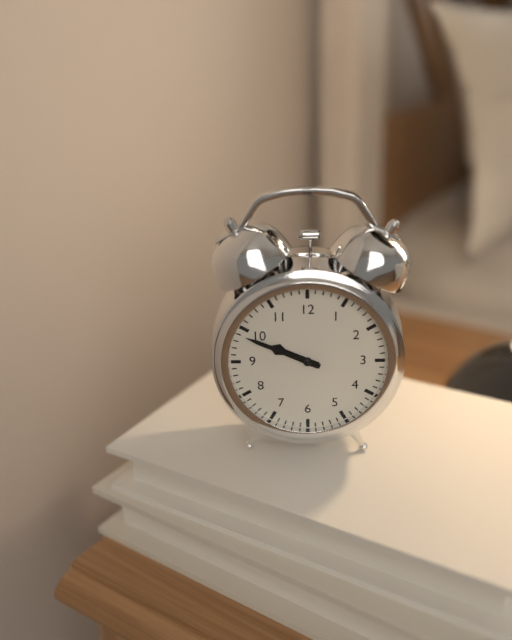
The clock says 9,49
